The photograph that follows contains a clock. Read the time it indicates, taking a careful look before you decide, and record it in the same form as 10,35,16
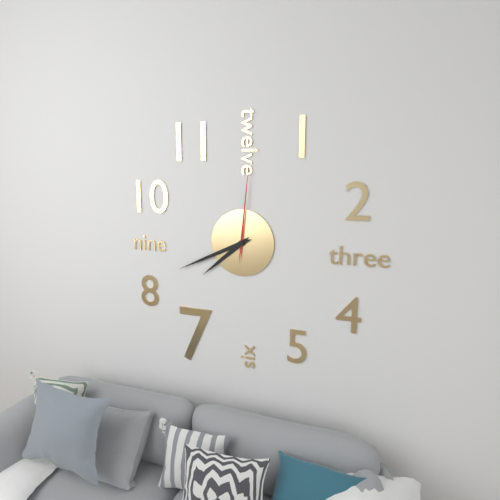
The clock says 7,41,01
